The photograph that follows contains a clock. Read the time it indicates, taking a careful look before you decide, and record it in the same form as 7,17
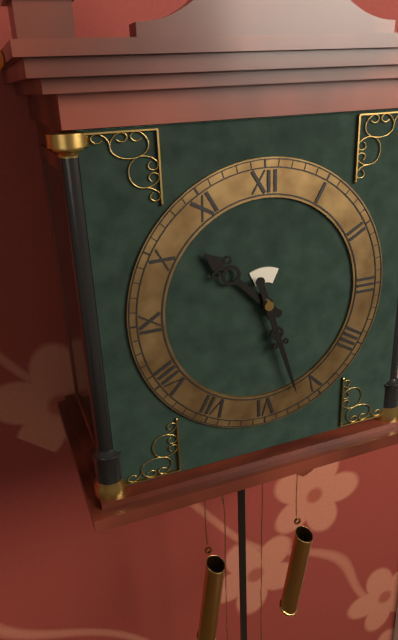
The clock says 10,27
